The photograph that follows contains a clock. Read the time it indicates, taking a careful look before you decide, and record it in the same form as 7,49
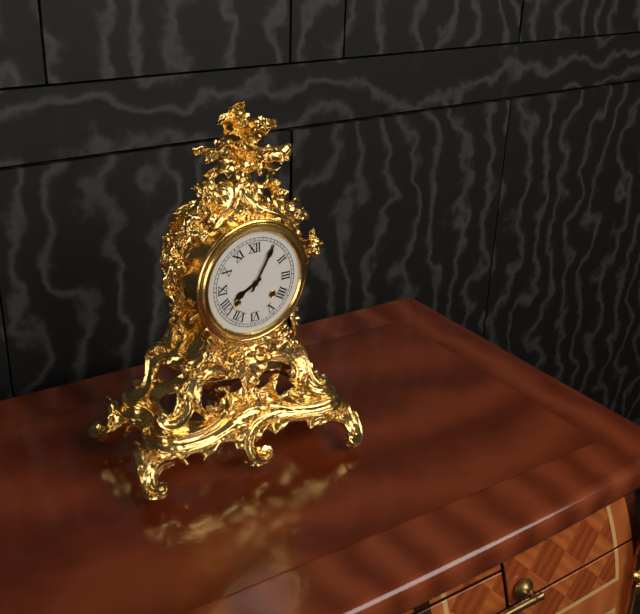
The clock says 8,05
